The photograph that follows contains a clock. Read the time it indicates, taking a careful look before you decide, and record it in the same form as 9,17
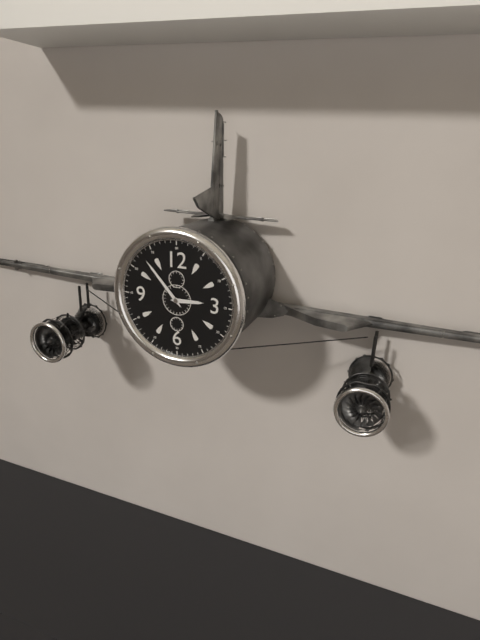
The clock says 2,53
